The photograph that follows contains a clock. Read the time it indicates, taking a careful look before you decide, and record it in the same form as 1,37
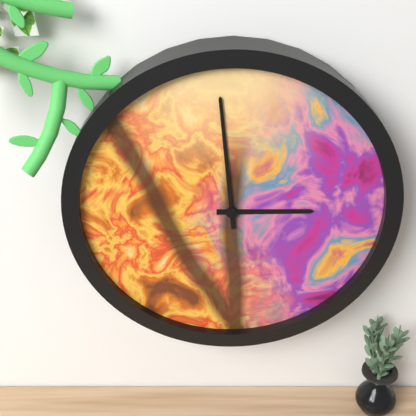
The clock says 2,59
